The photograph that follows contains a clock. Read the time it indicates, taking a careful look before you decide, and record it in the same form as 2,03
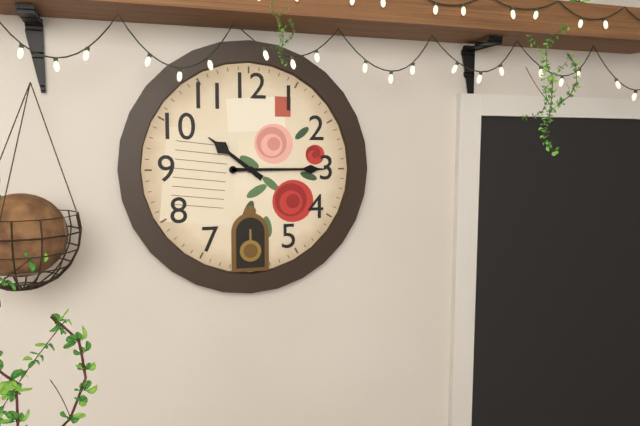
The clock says 10,15
